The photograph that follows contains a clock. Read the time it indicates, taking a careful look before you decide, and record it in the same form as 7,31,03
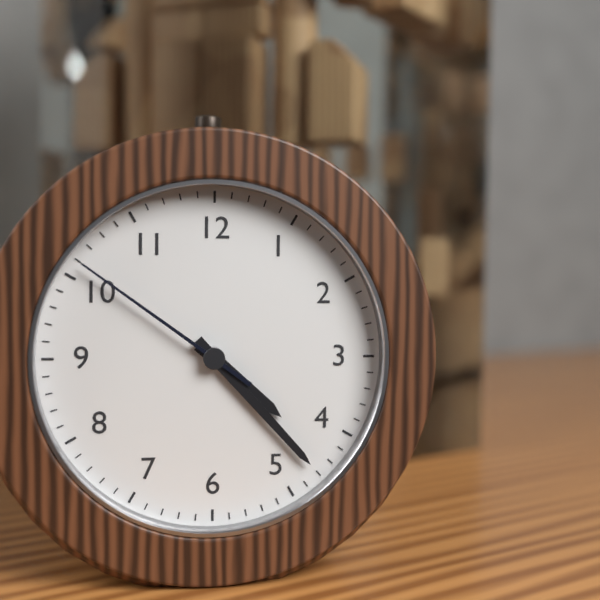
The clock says 4,23,51
